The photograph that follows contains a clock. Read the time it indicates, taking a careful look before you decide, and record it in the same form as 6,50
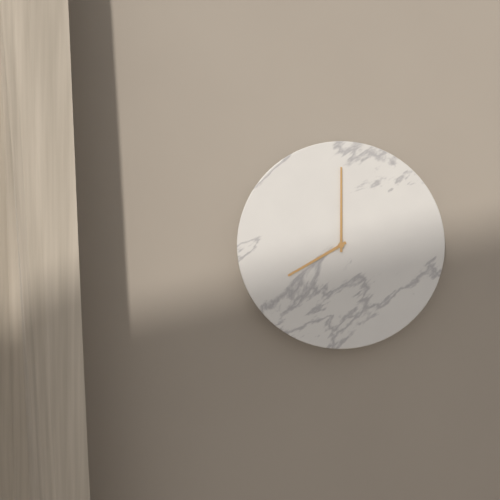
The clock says 8,00
